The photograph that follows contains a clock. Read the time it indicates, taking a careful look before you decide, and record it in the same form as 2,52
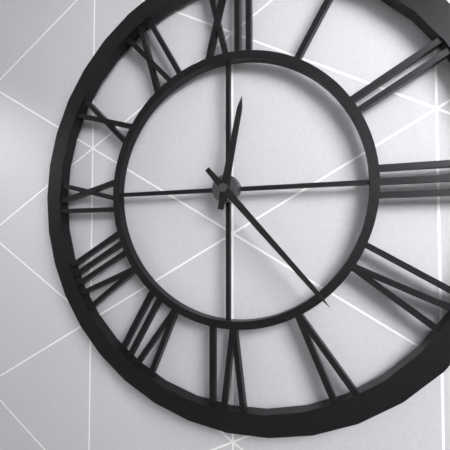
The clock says 12,23
